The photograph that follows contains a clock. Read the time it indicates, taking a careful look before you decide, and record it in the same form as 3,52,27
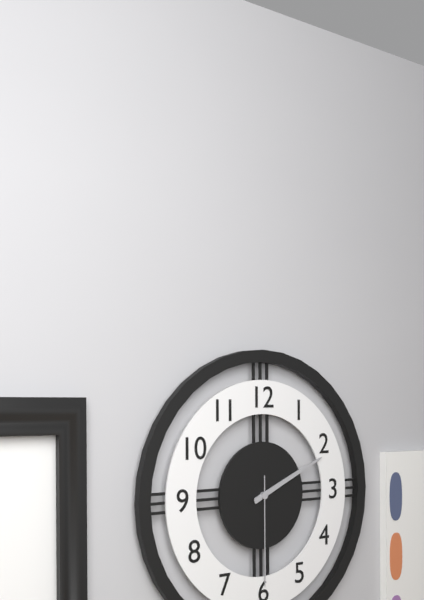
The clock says 2,11,30
